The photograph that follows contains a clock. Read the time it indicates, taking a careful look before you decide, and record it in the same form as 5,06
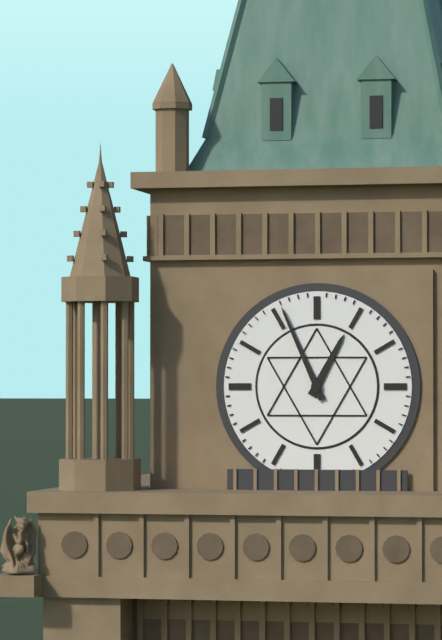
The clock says 12,56
